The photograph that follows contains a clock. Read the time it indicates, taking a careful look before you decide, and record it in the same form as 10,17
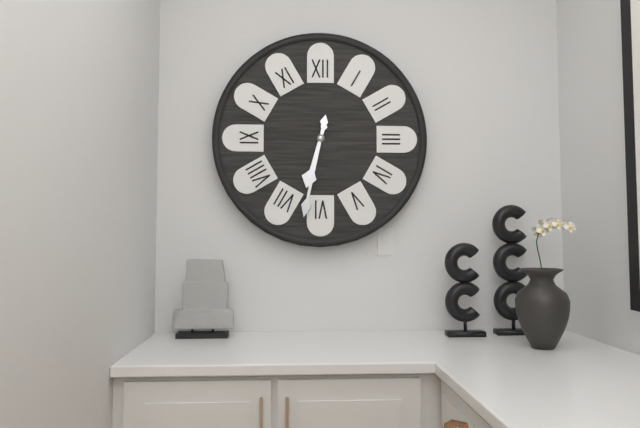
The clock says 6,32
